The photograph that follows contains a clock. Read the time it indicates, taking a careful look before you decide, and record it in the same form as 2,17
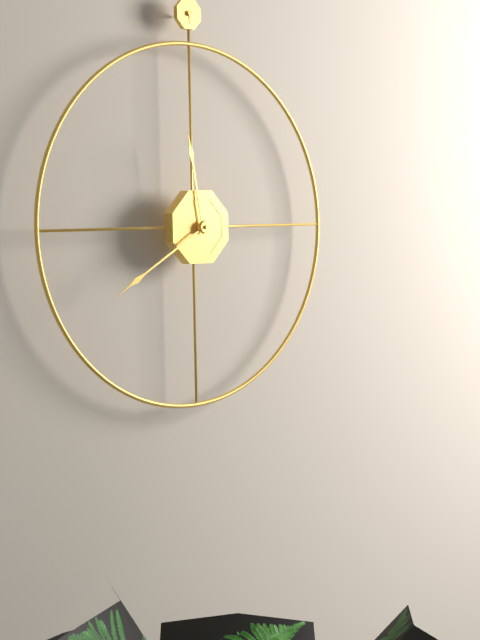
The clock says 11,40
